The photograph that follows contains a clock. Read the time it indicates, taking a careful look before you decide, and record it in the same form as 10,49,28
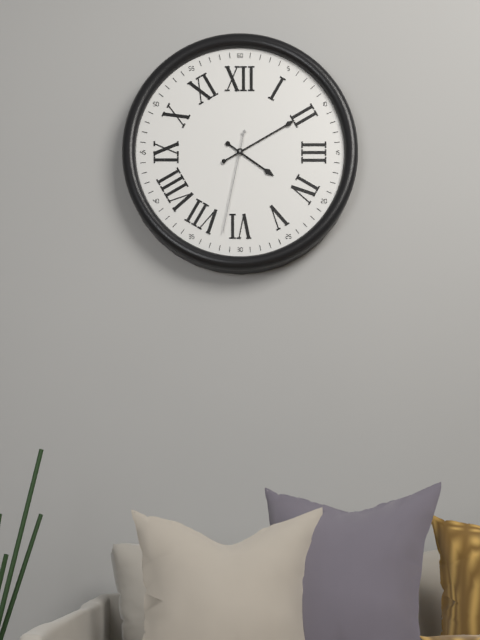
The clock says 4,10,32
